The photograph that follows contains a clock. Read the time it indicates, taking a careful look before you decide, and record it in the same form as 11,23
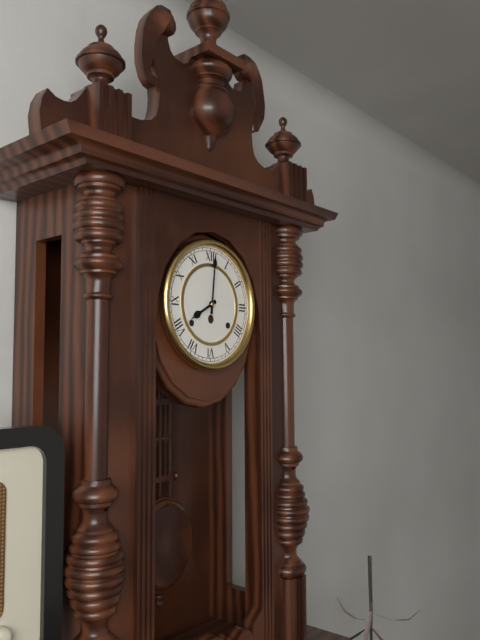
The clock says 8,01
